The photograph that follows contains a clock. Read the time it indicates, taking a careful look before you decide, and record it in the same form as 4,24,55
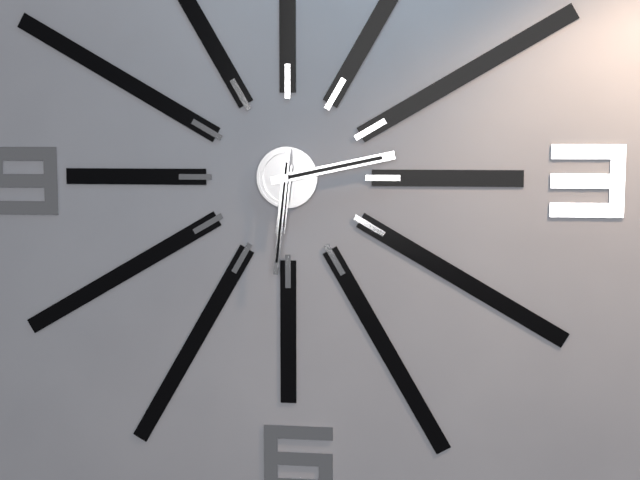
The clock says 6,13,31
